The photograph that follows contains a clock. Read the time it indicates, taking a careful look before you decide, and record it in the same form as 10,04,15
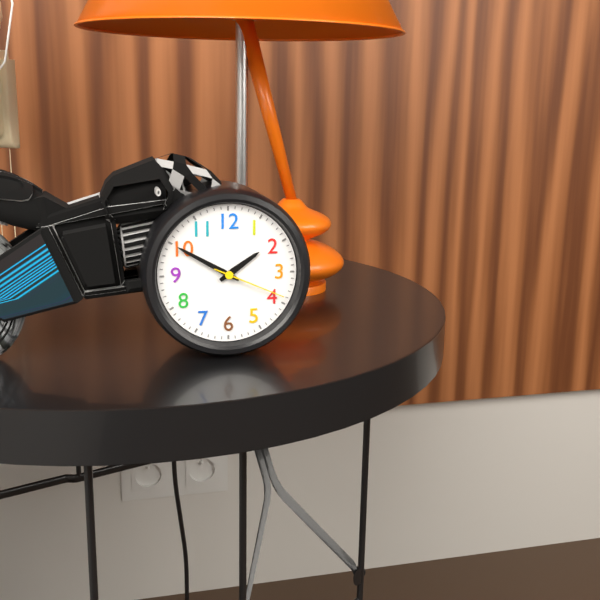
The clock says 1,50,19
